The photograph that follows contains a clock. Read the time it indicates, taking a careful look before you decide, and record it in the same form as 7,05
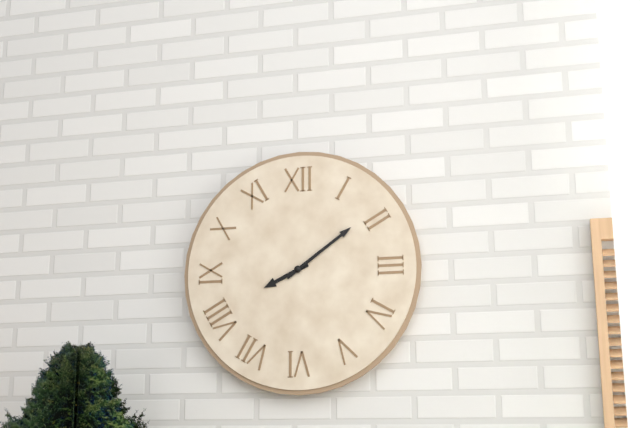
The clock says 8,09
